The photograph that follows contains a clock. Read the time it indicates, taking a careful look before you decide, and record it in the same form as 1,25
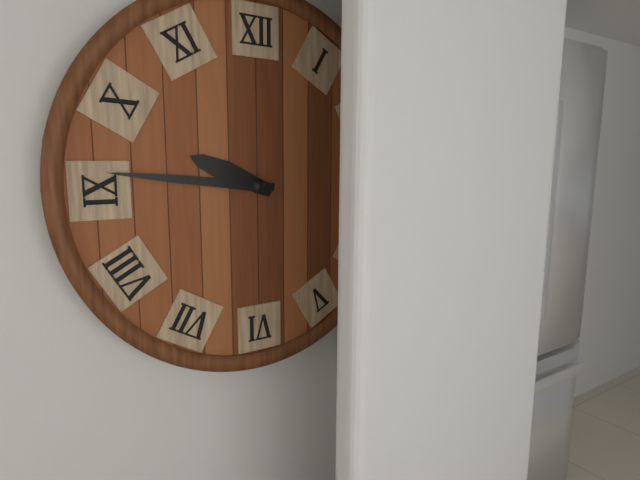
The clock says 9,46
